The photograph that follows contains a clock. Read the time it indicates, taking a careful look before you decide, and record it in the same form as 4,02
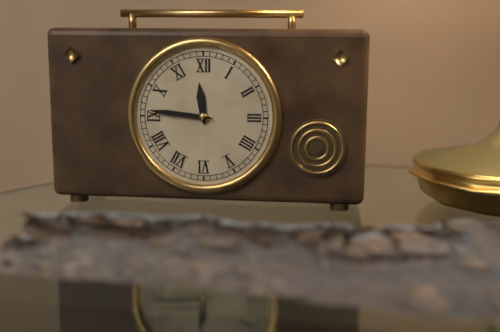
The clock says 11,46
